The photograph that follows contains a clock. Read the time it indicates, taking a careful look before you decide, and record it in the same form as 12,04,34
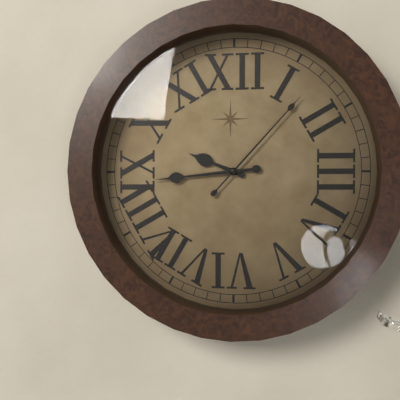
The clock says 9,44,07
